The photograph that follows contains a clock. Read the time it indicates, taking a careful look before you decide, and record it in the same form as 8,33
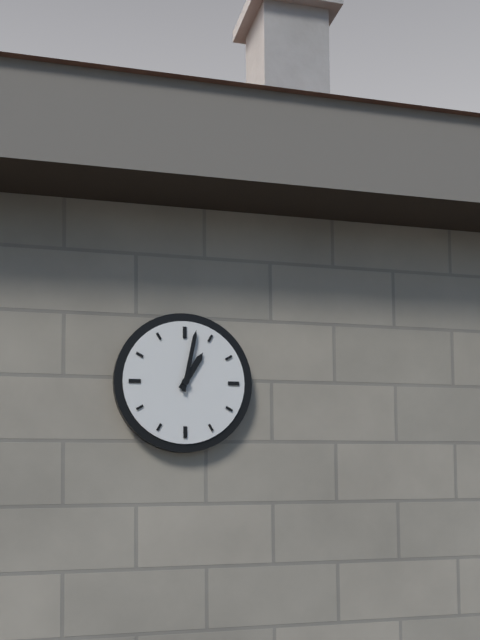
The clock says 1,02
